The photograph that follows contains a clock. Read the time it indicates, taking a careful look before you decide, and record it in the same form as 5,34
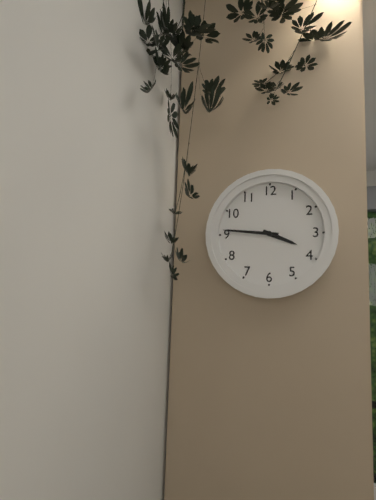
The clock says 3,46
